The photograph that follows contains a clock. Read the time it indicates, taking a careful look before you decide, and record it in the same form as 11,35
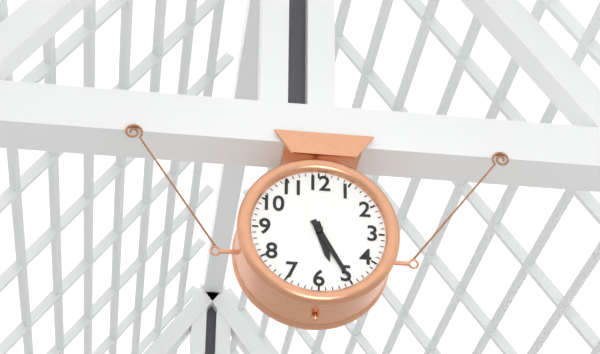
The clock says 5,25
